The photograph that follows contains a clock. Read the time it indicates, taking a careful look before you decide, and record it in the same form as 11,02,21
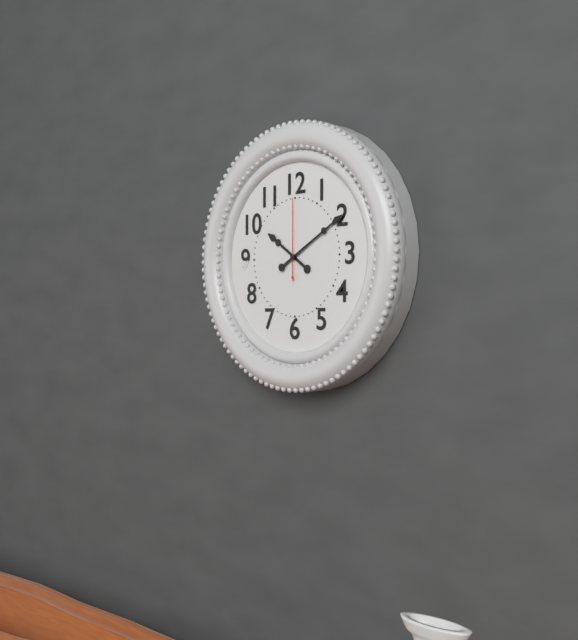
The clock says 10,10,00
